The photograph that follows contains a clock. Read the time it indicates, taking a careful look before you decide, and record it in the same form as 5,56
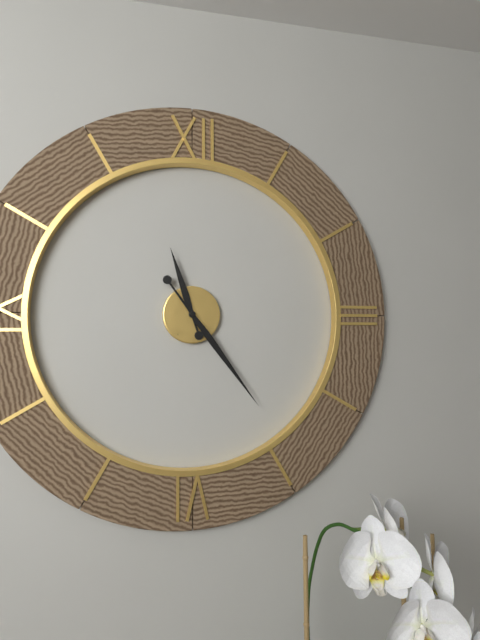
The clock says 11,24
